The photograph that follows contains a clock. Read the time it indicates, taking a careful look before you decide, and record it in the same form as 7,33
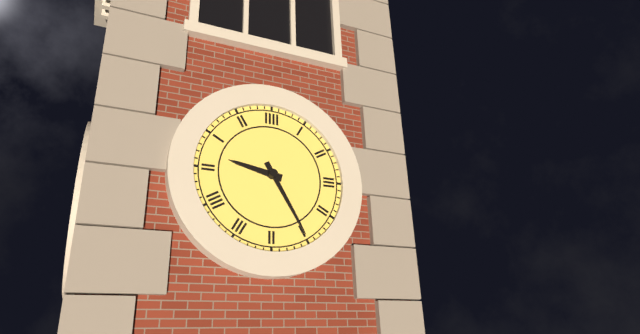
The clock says 9,25
